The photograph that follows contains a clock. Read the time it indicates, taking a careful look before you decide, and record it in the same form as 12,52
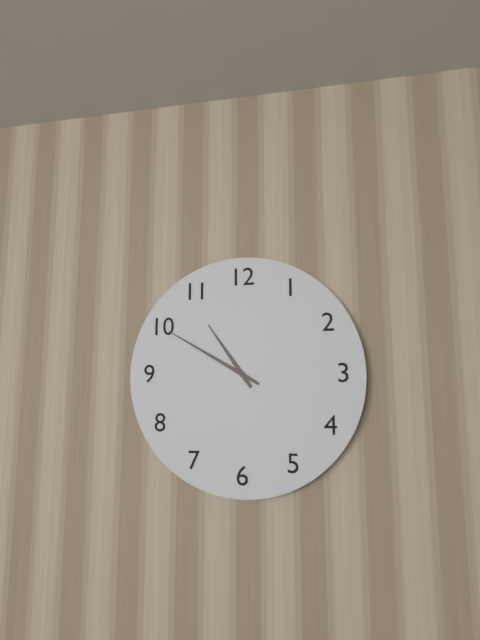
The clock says 10,50
